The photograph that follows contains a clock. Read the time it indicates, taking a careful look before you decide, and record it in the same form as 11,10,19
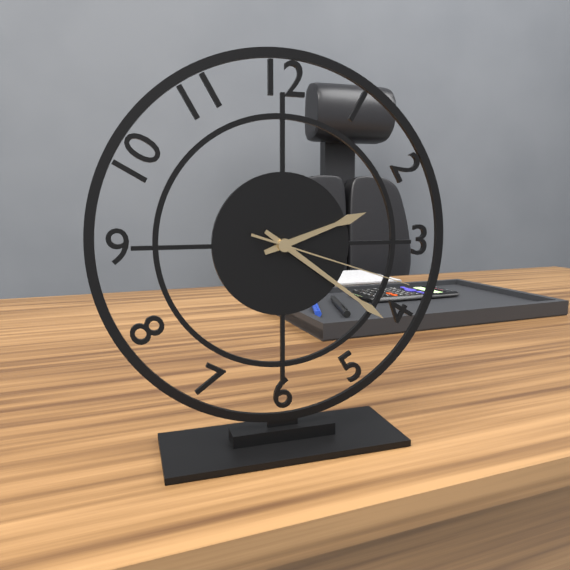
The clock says 2,21,18
